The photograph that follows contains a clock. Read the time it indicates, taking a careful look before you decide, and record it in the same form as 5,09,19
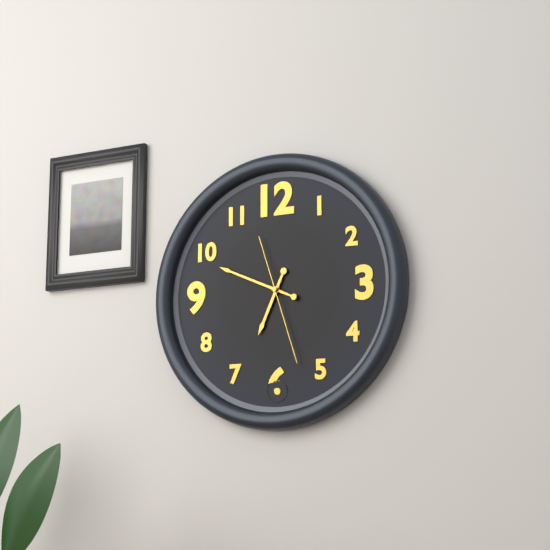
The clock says 6,49,27
